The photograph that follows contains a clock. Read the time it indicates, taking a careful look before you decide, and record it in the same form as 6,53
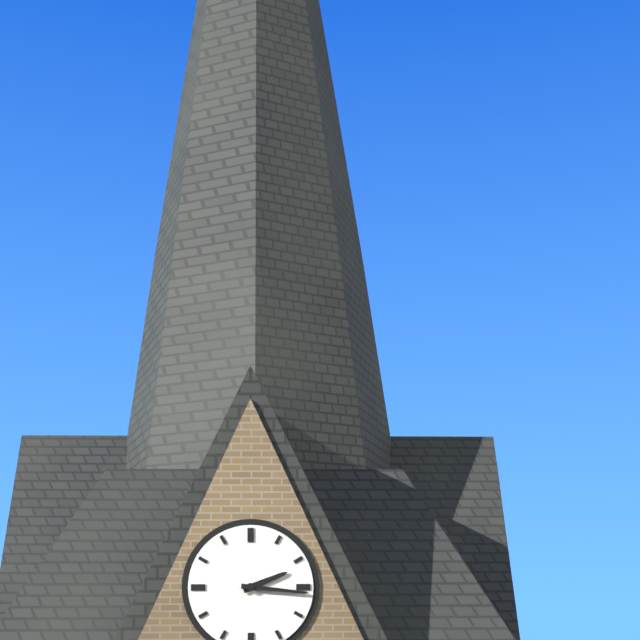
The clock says 2,16
